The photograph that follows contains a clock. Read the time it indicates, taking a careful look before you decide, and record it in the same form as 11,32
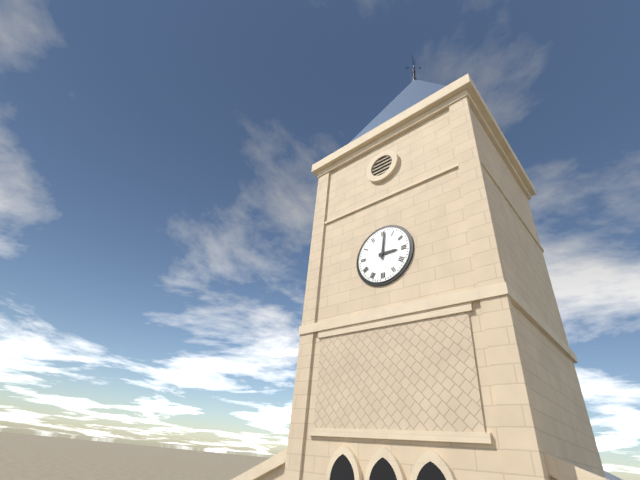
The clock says 3,01
